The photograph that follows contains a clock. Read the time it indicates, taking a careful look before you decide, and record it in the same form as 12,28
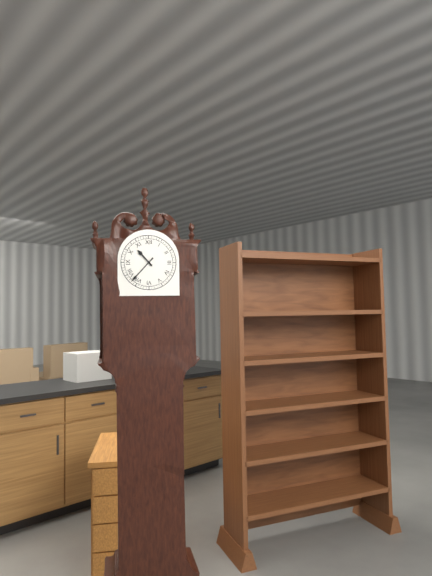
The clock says 10,37
